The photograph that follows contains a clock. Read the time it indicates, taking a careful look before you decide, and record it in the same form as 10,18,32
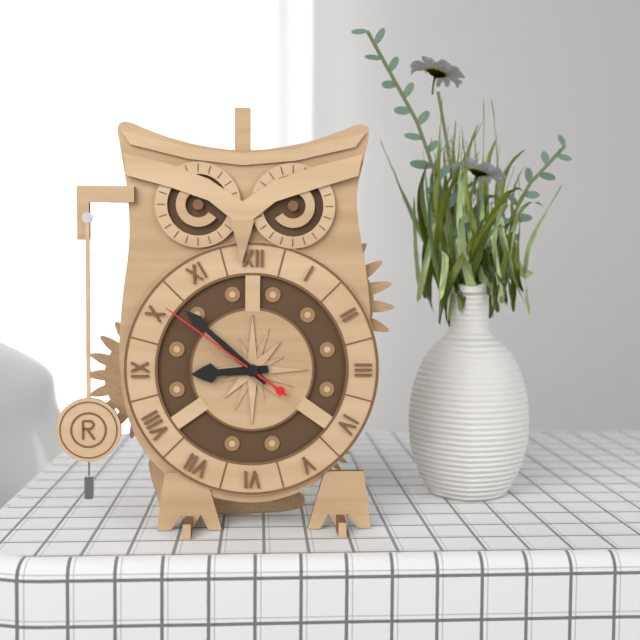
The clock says 8,52,51
